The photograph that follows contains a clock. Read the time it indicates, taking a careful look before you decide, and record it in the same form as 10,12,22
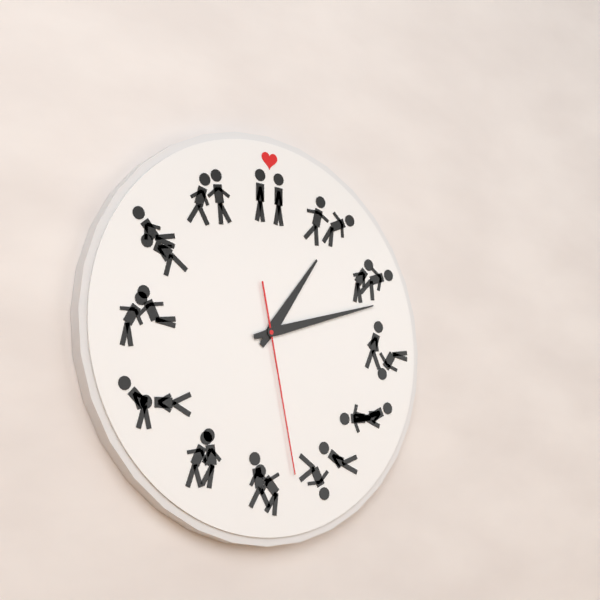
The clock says 1,12,28
